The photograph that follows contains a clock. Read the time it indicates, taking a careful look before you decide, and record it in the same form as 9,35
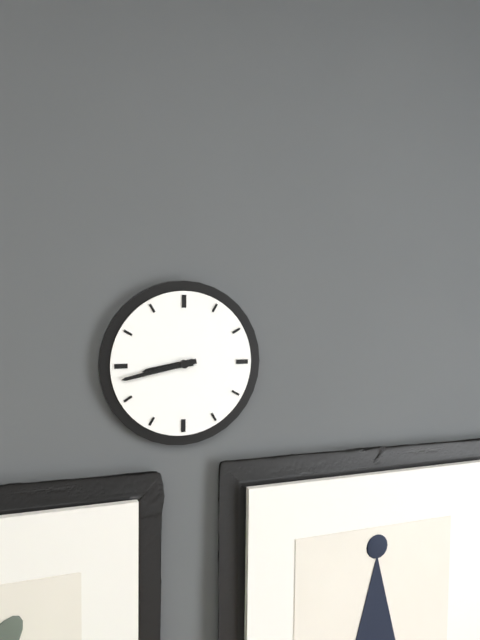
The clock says 8,43
